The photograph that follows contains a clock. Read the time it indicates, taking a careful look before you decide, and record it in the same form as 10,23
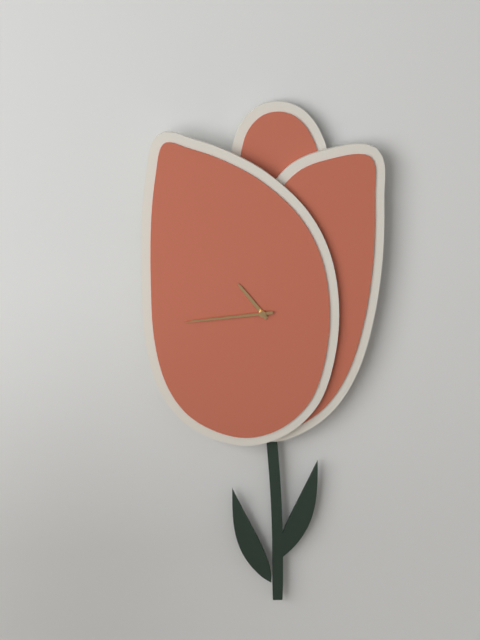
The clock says 10,44
